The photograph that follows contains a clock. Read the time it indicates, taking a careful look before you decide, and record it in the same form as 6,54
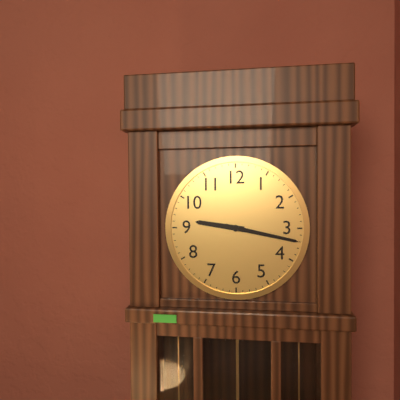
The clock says 9,17
